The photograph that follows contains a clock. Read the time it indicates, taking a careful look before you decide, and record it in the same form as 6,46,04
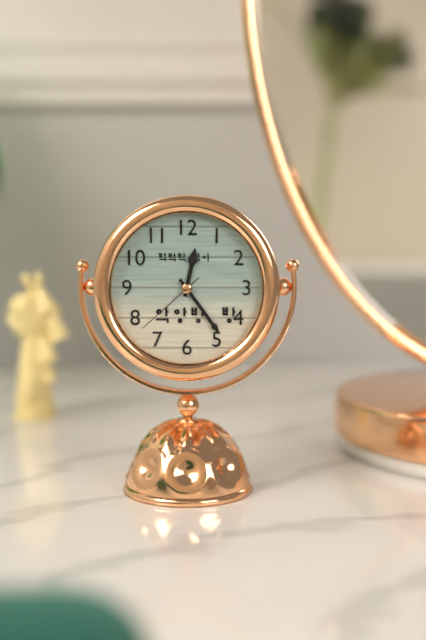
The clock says 12,24,38
